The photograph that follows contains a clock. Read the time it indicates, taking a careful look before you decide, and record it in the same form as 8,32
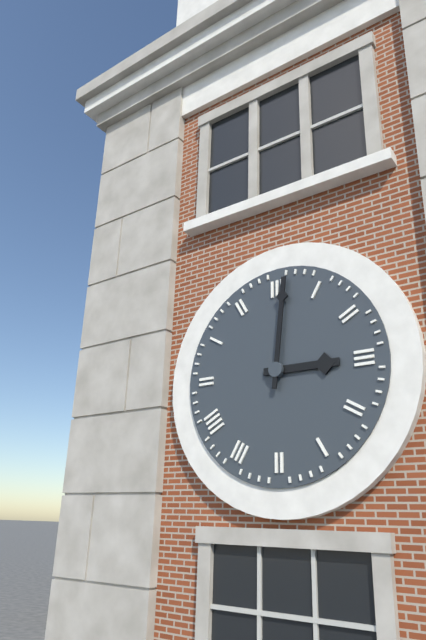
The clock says 3,01
